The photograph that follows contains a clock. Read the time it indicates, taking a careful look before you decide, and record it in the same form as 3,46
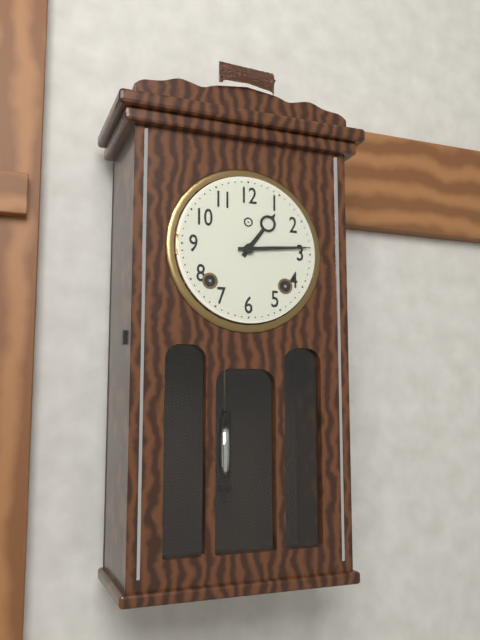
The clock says 1,14
